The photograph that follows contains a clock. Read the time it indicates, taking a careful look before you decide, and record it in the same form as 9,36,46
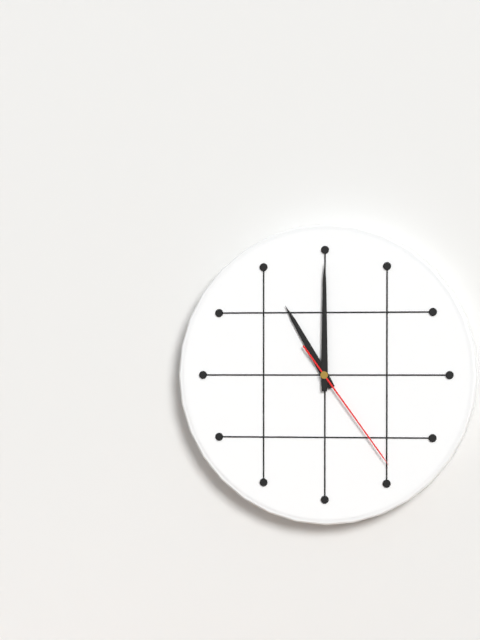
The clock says 11,00,24
